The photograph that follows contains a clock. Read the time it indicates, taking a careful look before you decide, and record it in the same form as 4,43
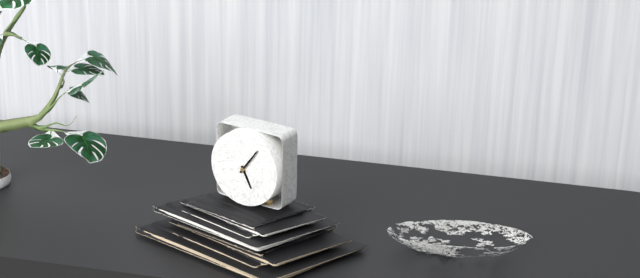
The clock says 5,06
